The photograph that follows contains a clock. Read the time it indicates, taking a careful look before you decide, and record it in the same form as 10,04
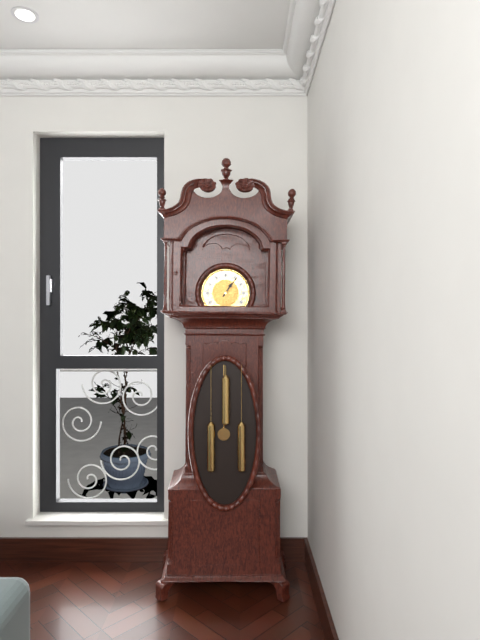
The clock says 1,06
